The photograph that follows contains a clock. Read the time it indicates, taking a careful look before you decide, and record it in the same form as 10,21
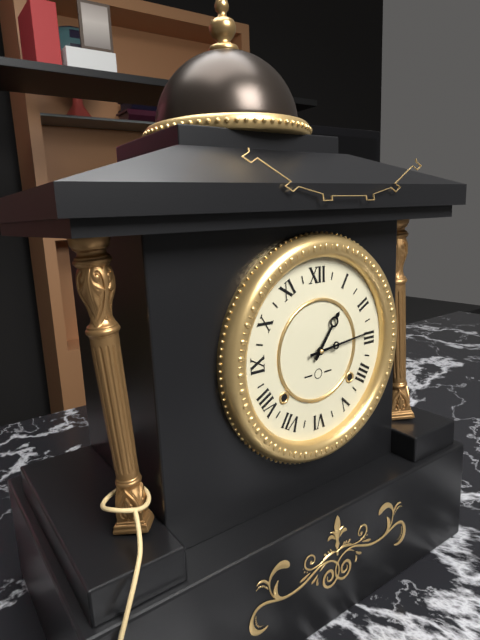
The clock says 1,14
